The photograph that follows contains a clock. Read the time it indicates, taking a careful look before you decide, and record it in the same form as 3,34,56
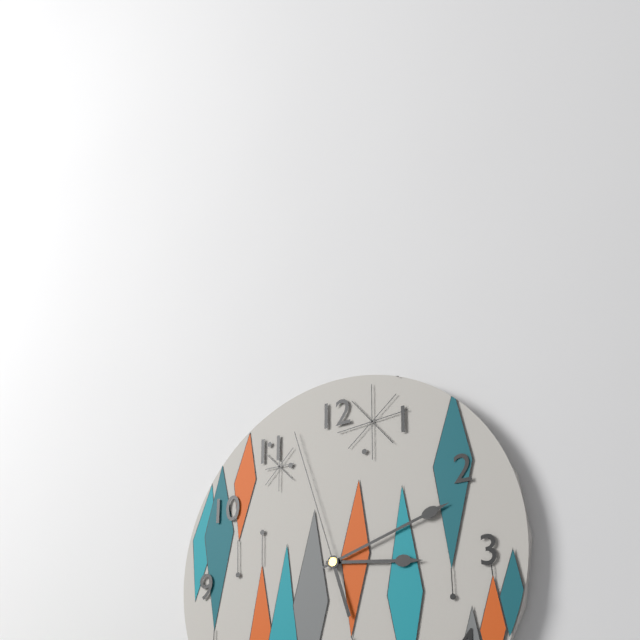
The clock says 3,12,57
